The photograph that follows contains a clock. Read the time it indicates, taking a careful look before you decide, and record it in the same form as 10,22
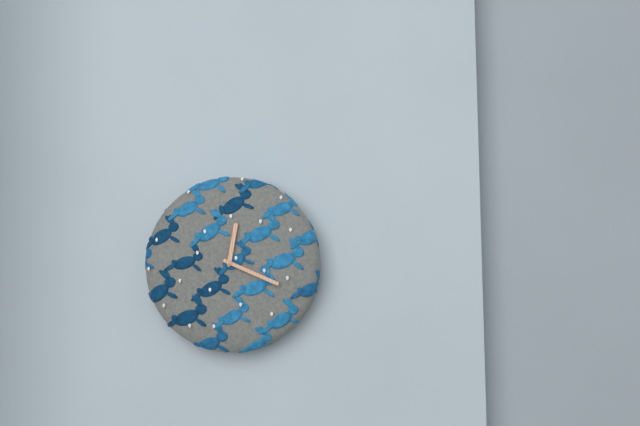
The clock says 12,19
